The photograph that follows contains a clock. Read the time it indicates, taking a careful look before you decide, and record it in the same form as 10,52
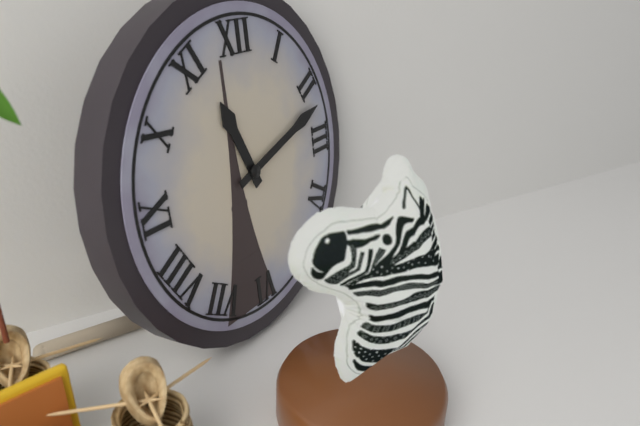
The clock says 11,12
